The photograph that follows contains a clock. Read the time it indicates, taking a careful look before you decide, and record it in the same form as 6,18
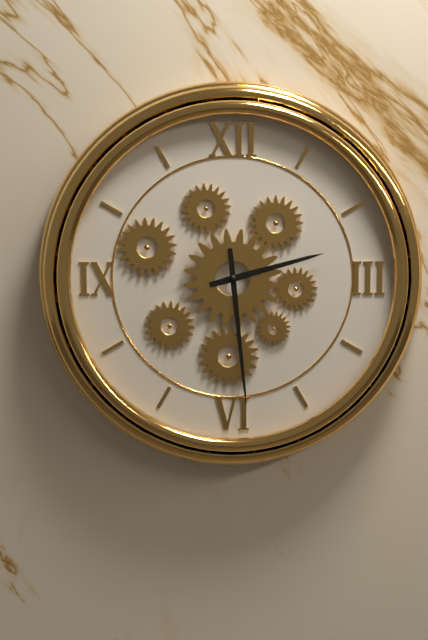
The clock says 2,29
